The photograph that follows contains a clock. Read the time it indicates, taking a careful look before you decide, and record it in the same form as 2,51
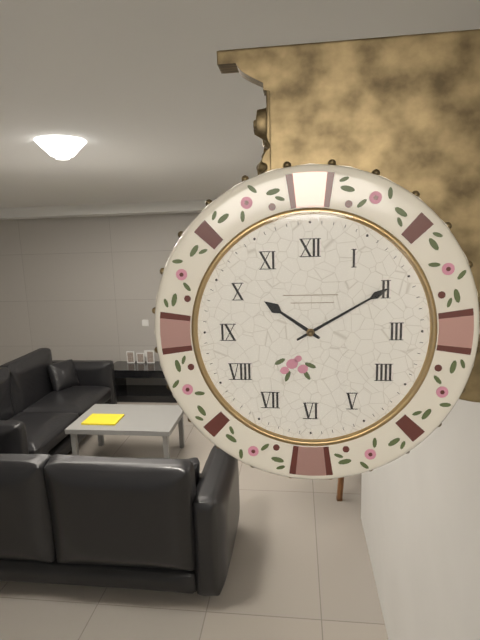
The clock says 10,10
